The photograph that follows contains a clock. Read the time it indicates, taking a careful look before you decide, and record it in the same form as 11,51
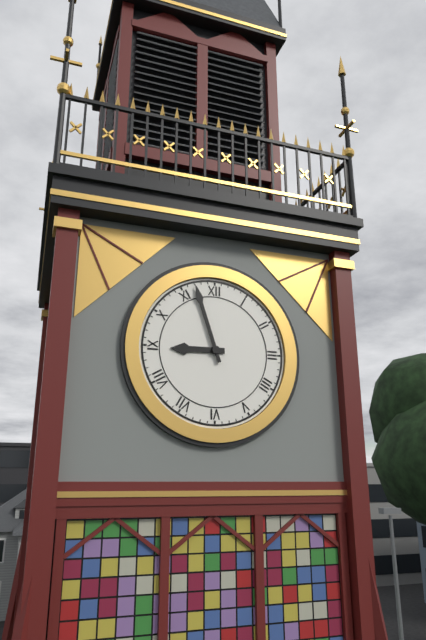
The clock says 8,57
